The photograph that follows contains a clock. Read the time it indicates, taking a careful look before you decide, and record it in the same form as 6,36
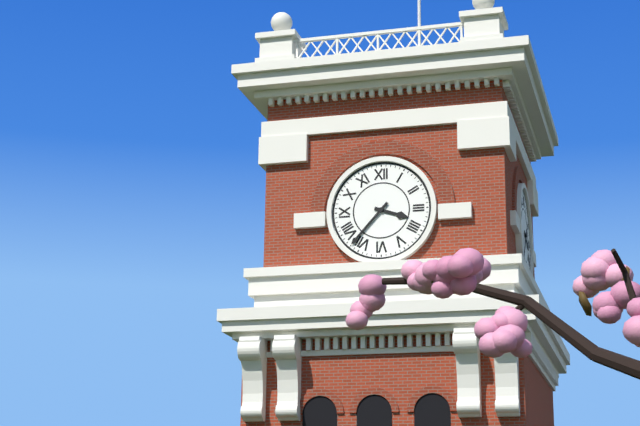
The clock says 3,37
